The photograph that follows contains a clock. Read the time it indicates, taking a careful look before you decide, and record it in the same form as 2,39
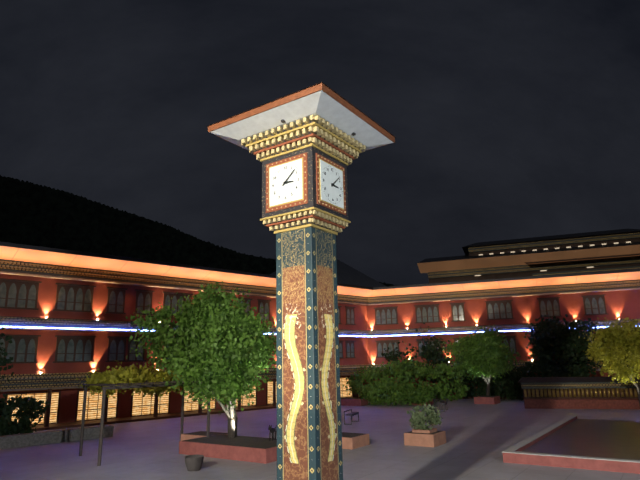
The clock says 3,08
